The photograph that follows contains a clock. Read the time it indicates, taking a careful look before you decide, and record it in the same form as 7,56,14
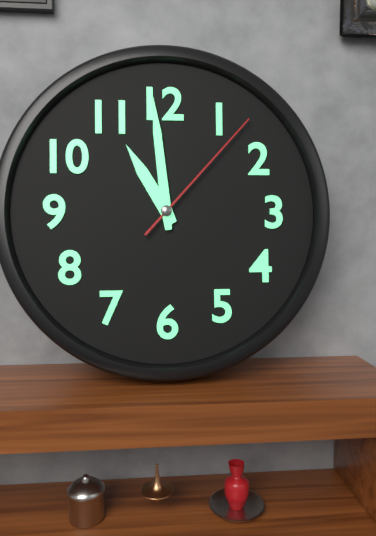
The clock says 10,59,07
